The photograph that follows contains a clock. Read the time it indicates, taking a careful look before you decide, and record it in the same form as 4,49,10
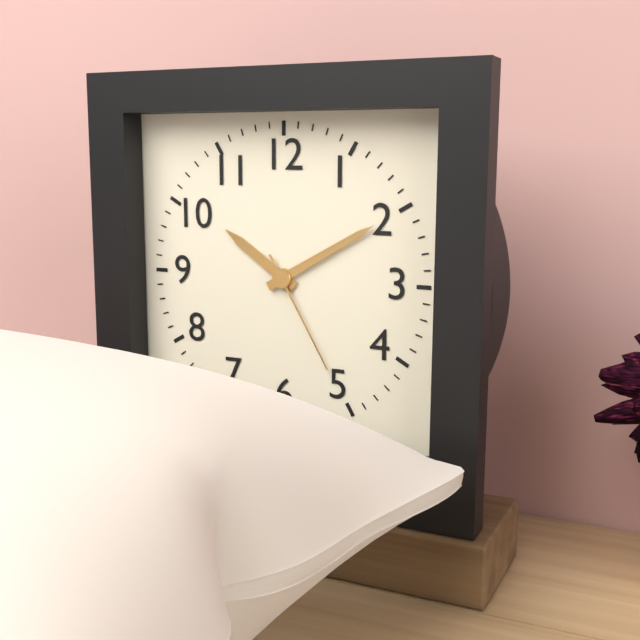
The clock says 10,10,25
